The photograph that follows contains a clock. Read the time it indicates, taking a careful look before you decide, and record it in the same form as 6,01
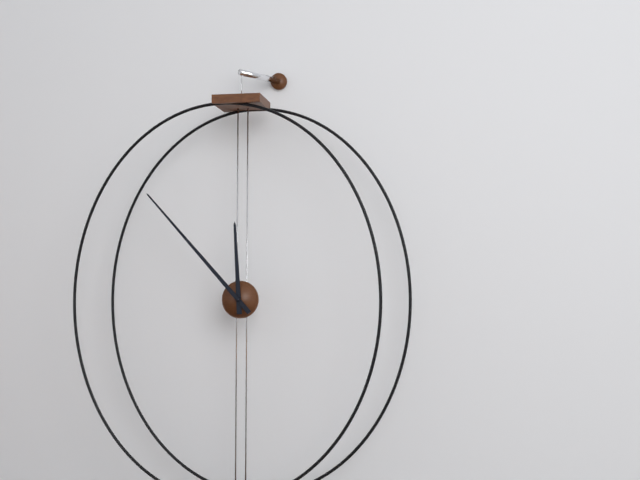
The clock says 11,53
